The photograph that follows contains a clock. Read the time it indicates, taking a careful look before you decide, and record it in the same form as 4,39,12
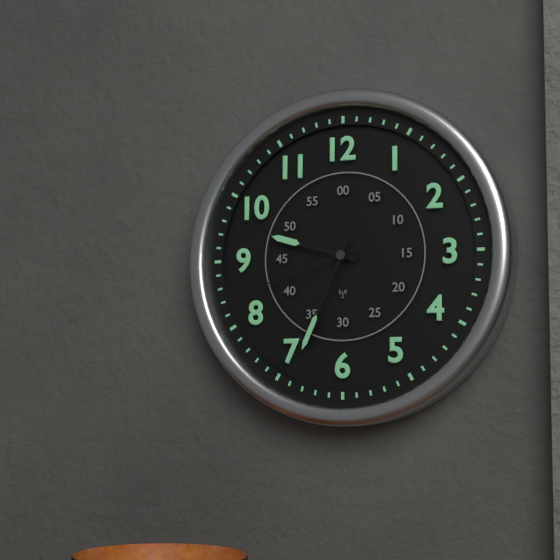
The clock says 9,34,42
